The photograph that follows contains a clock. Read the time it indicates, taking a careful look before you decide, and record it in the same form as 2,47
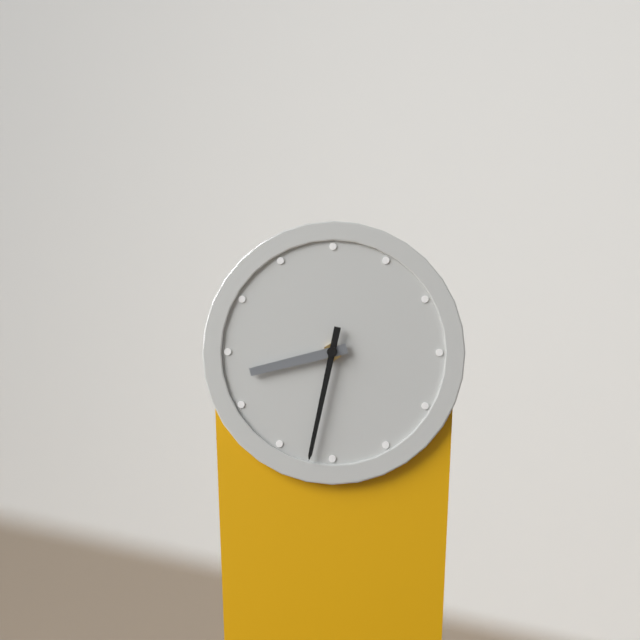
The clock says 8,32
